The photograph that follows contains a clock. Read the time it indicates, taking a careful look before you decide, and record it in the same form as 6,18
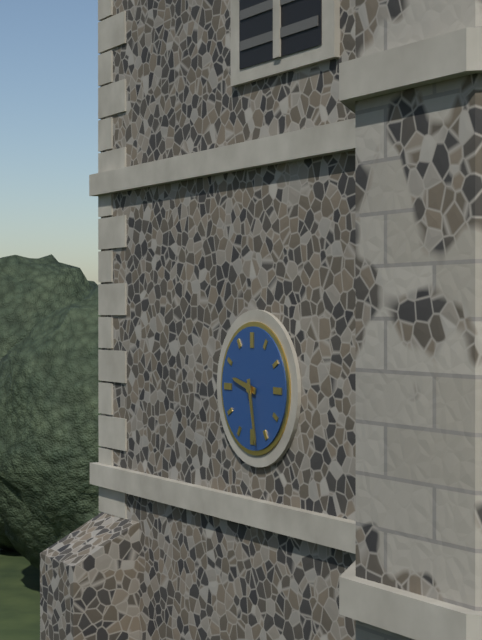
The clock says 9,28
